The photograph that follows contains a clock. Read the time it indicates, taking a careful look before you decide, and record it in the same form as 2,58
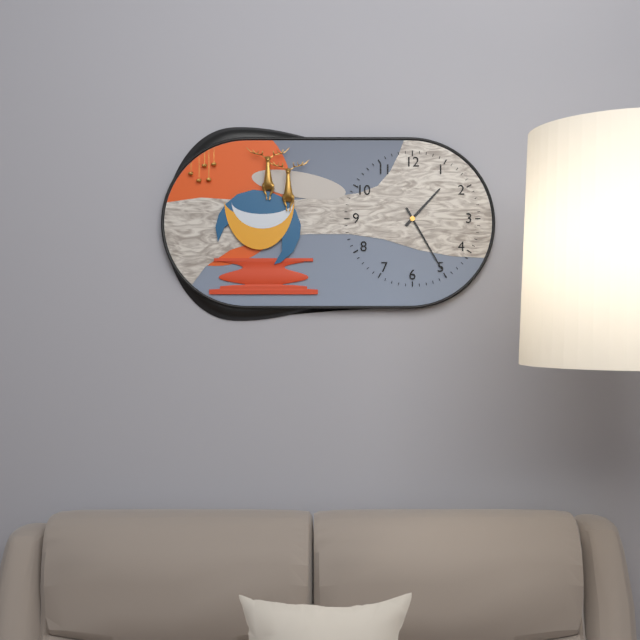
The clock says 1,25
